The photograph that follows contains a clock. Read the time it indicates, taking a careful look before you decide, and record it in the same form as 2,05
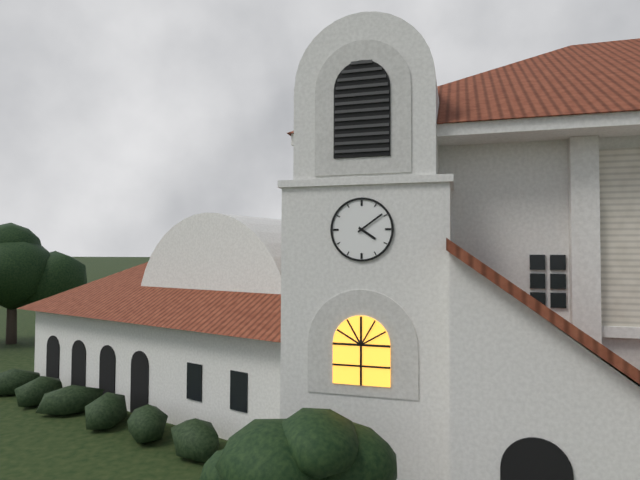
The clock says 4,09
